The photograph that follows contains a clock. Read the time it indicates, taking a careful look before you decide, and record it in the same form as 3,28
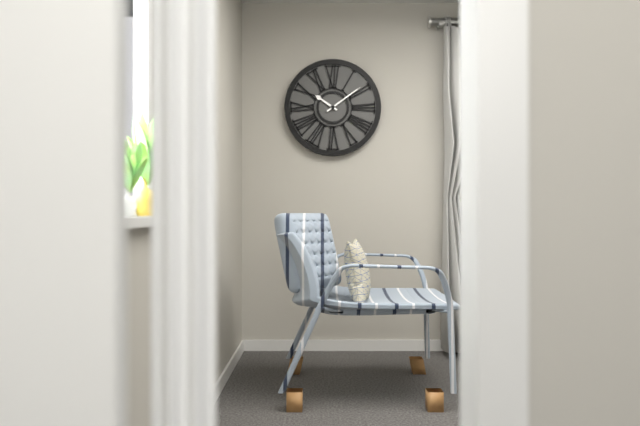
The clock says 10,09
